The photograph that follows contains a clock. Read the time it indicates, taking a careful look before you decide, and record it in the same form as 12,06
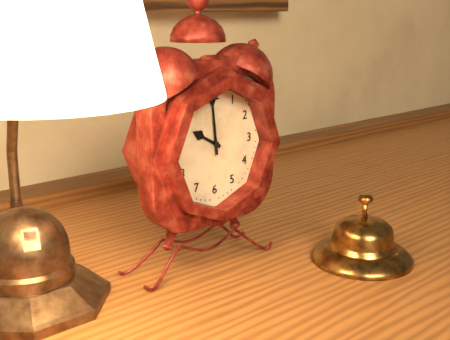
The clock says 9,59
